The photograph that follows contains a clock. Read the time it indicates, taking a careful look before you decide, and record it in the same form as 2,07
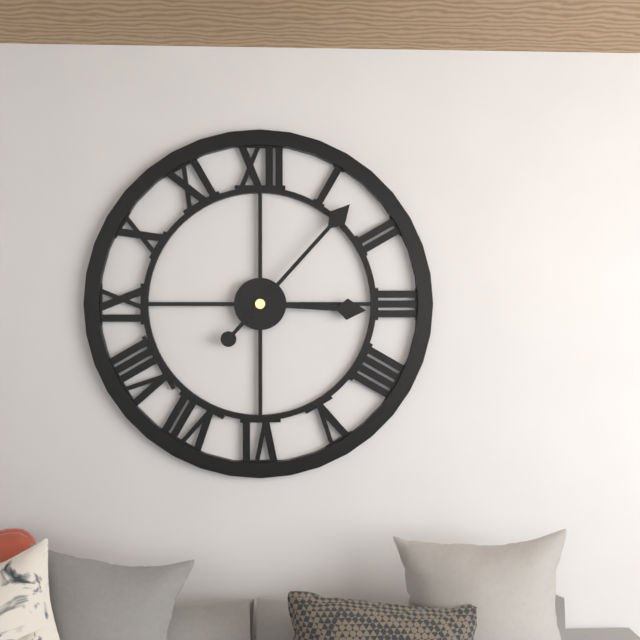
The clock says 3,07
